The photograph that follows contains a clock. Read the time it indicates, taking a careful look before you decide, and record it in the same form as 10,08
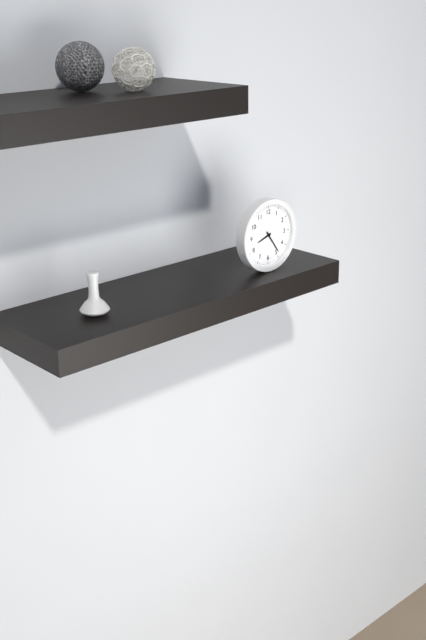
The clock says 8,24
